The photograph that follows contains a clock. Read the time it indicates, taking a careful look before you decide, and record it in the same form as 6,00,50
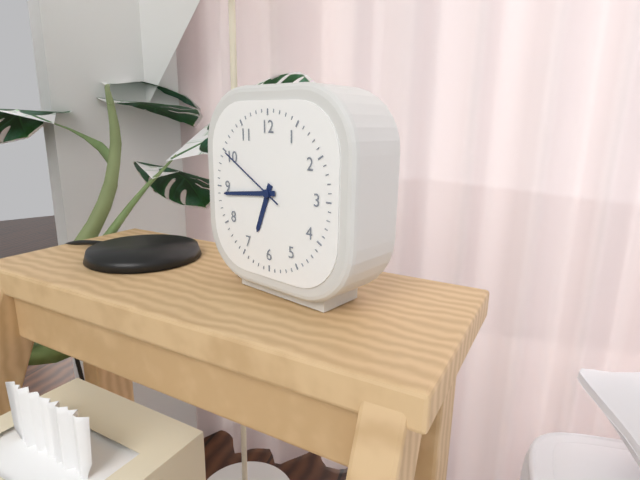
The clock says 6,44,50
